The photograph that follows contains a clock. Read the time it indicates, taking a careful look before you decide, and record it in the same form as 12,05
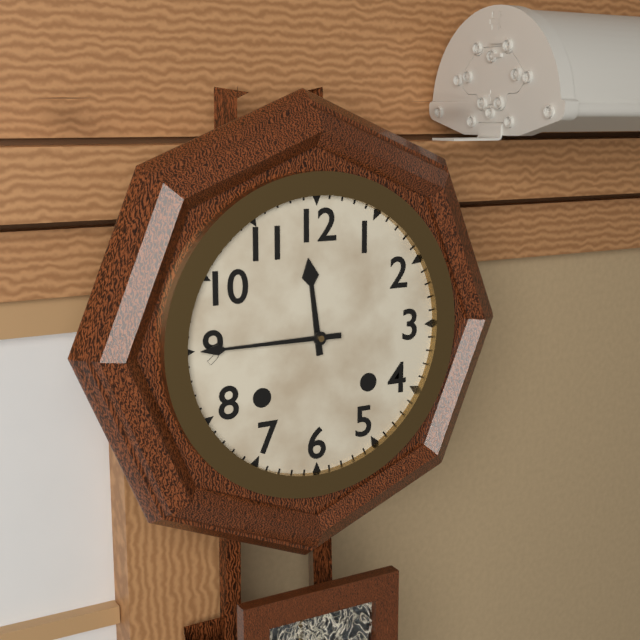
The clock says 11,45
